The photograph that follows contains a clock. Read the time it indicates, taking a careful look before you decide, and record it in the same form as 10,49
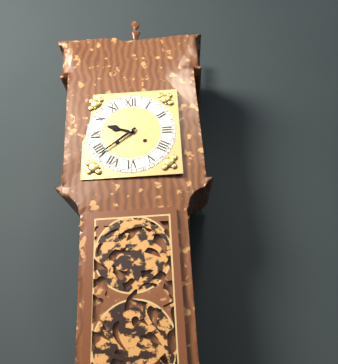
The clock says 9,39
